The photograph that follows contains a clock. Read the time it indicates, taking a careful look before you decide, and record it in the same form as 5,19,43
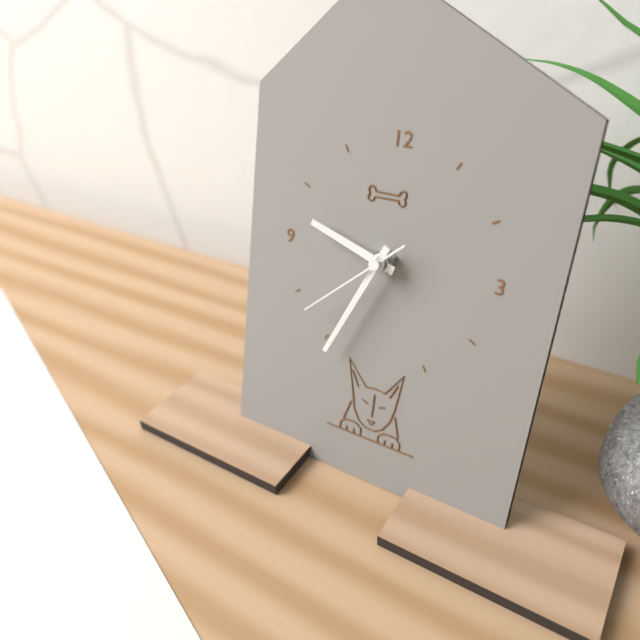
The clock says 9,34,38
